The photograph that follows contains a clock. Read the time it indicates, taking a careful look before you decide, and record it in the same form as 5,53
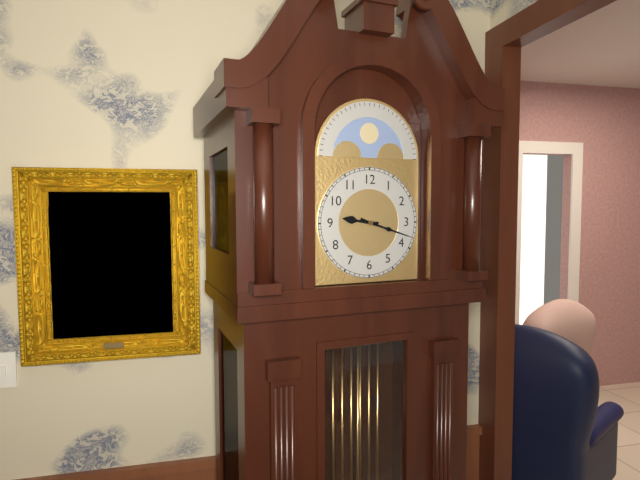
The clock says 9,18
